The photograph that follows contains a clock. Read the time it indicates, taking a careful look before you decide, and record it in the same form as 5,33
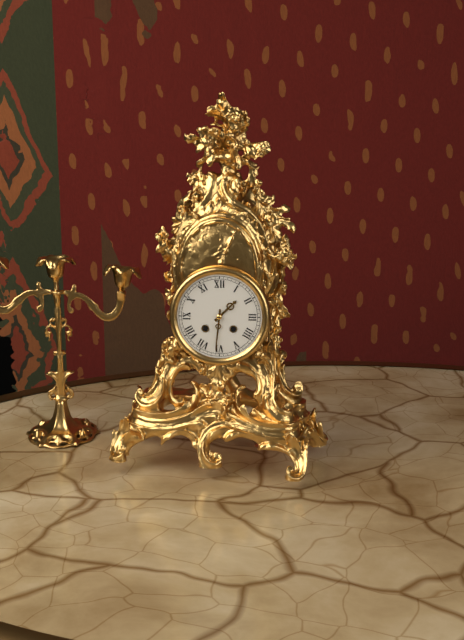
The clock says 1,31
